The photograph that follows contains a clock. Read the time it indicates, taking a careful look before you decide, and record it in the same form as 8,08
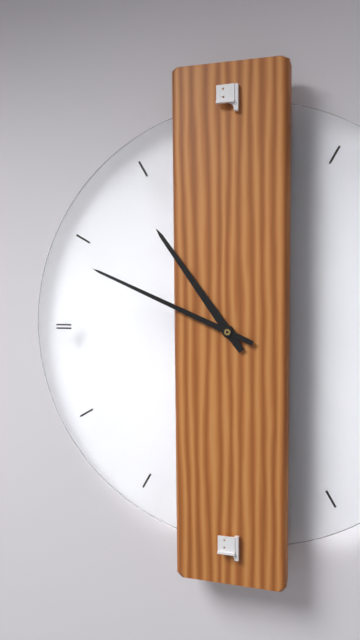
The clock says 10,49
